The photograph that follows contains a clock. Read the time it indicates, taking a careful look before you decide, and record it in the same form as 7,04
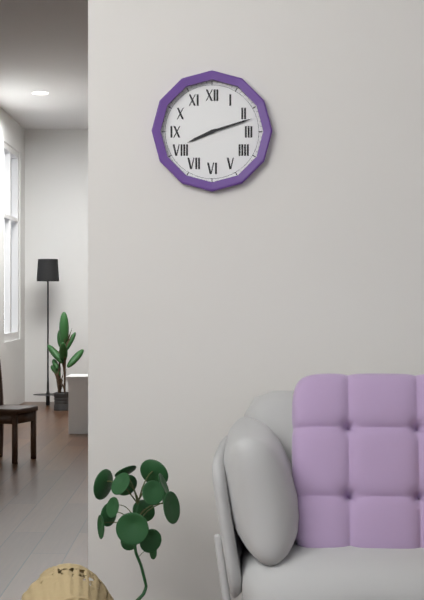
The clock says 8,12
